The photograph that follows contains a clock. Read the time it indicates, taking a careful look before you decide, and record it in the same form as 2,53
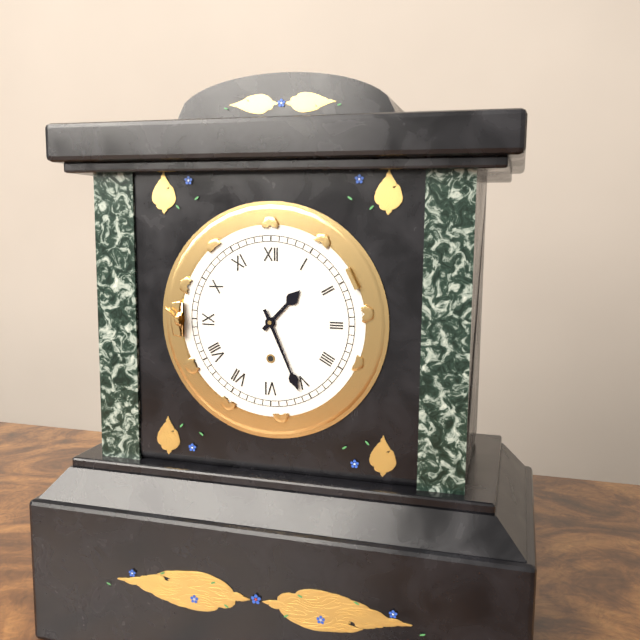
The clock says 1,26
